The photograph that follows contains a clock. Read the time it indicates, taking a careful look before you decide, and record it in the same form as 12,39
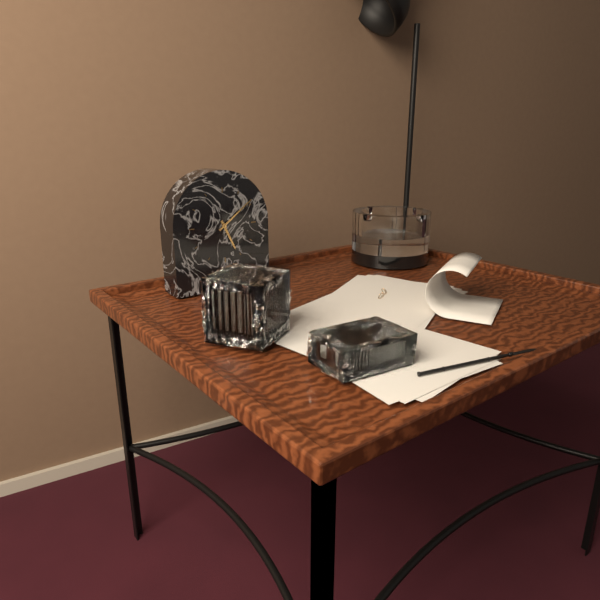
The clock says 5,09
